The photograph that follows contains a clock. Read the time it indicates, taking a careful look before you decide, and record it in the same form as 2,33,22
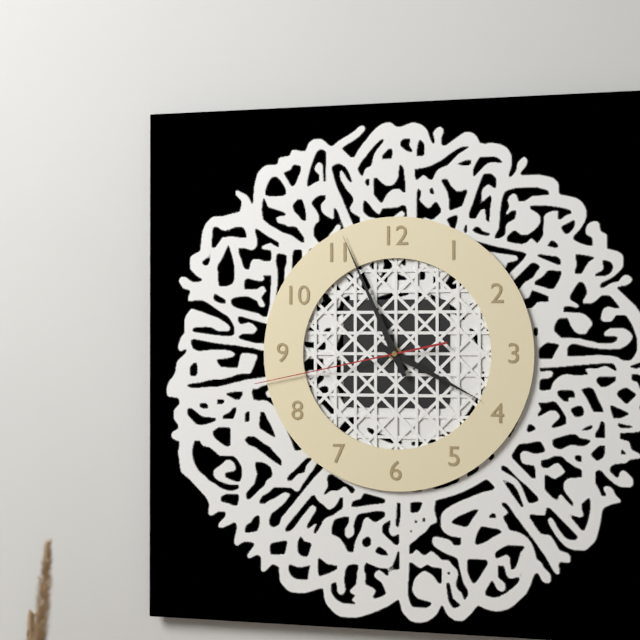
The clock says 3,56,43
